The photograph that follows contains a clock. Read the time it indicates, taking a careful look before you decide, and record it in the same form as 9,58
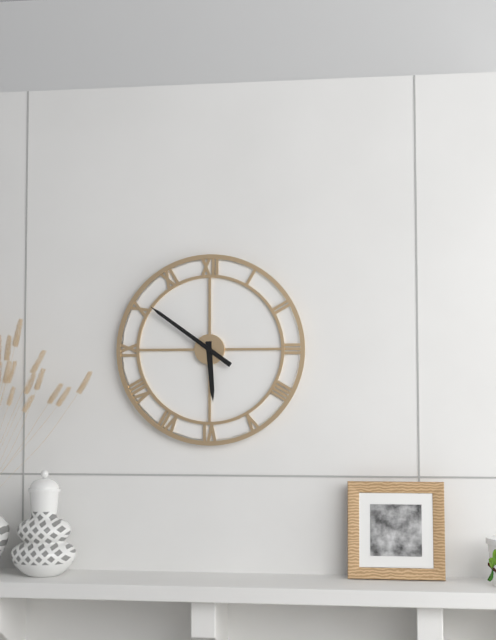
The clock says 5,51
